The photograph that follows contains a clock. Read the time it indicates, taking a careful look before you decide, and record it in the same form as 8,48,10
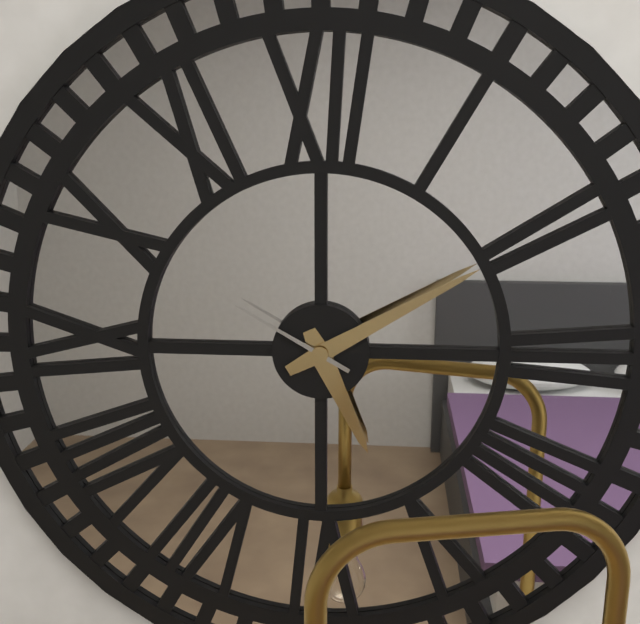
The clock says 5,10,50
